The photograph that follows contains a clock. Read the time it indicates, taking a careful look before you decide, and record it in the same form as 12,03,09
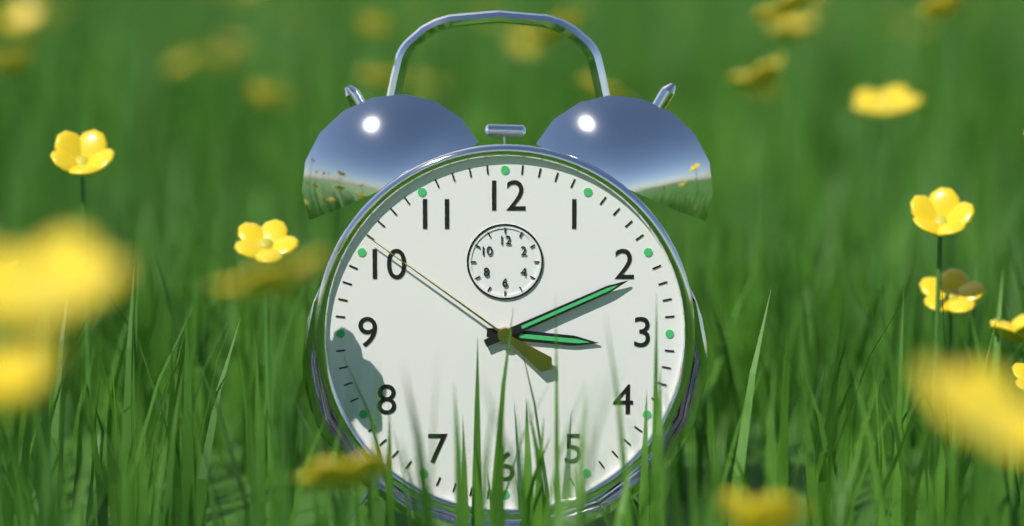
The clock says 3,11,51
